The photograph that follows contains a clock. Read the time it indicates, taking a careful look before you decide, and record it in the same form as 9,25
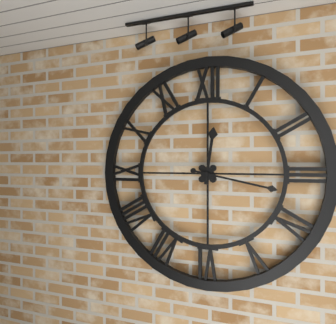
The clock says 12,17
